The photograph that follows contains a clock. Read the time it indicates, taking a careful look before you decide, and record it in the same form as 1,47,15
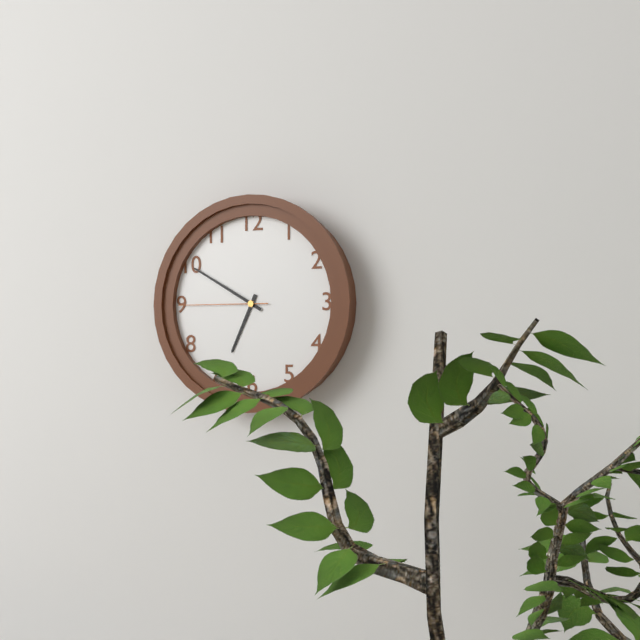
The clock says 6,50,45
